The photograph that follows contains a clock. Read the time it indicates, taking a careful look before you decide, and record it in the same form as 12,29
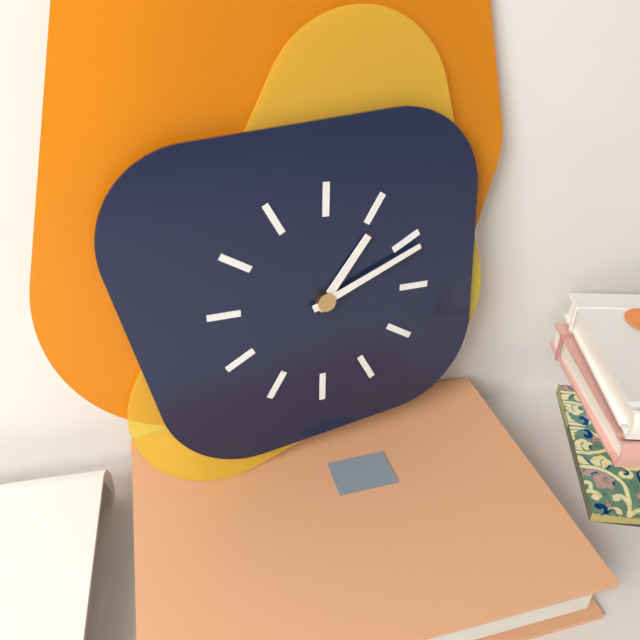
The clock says 1,11
